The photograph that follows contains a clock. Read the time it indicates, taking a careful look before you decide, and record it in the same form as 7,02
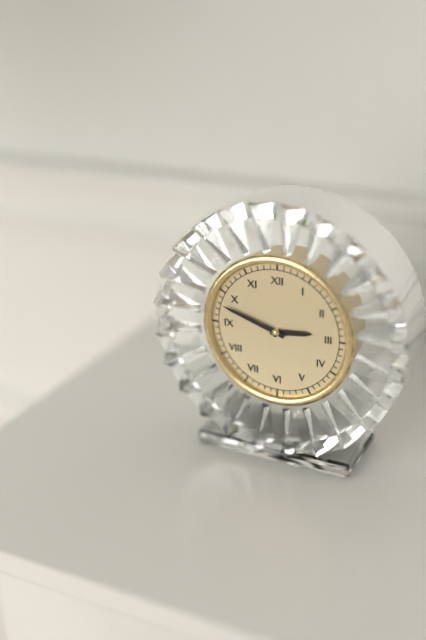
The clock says 2,48
